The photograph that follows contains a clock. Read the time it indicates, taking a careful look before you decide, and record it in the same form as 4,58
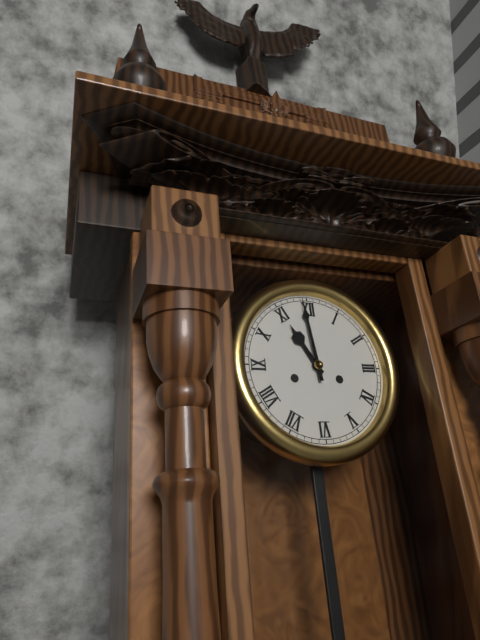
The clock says 10,59
